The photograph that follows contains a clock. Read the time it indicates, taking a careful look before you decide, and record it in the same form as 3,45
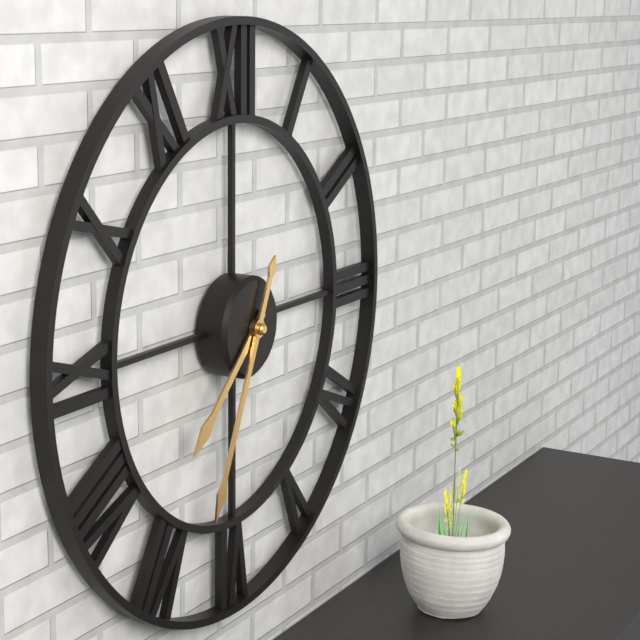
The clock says 7,34
